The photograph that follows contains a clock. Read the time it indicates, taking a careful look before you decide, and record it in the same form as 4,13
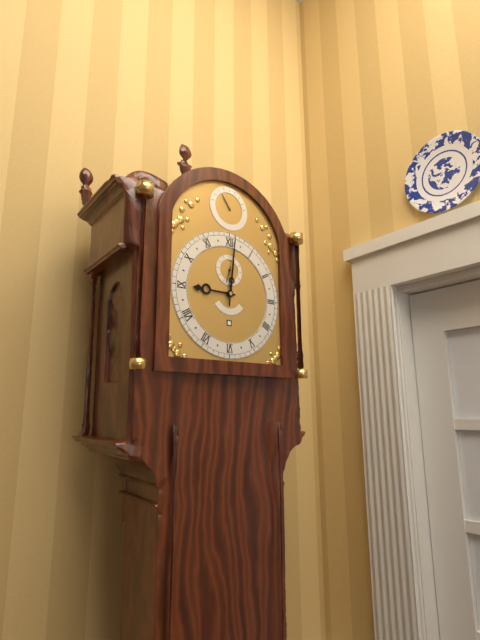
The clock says 9,01
